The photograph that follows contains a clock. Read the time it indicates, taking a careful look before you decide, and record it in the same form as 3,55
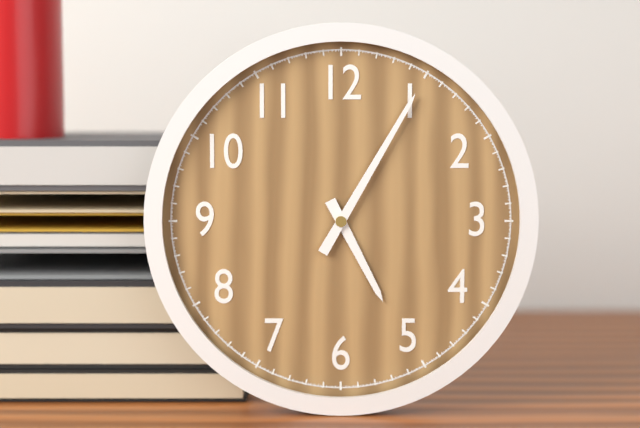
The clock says 5,05
